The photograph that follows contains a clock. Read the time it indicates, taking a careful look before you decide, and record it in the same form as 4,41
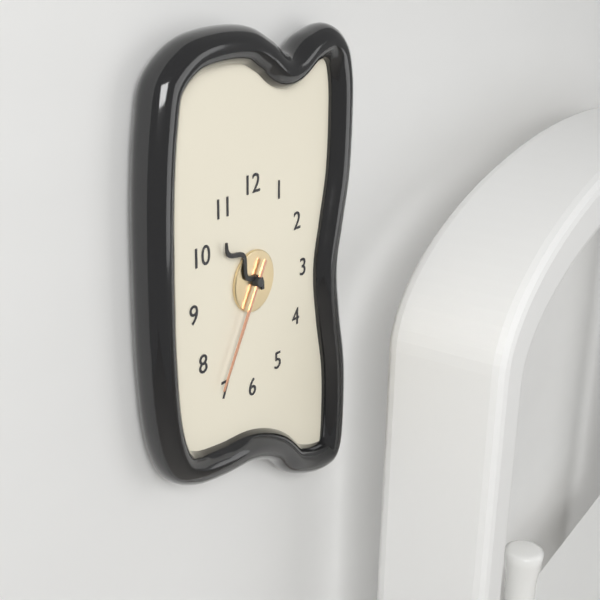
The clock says 10,35
